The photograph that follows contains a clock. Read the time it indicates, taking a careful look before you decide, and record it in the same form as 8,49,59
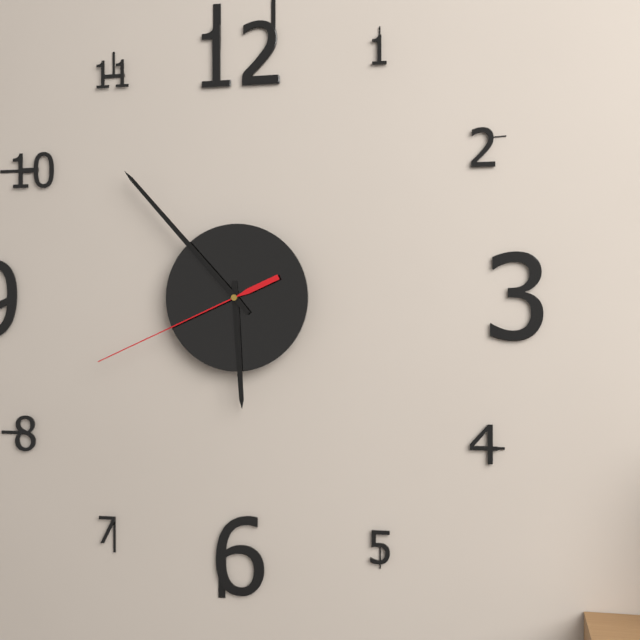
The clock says 5,53,41
